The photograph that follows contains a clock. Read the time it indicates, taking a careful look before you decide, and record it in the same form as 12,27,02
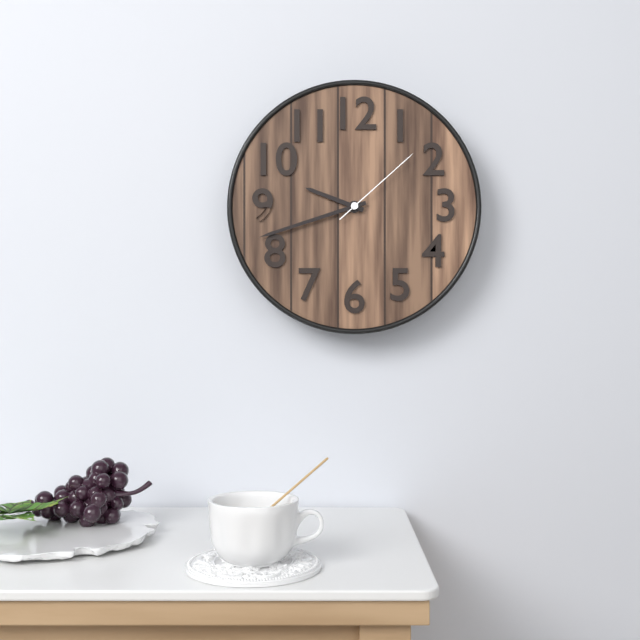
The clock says 9,42,08
